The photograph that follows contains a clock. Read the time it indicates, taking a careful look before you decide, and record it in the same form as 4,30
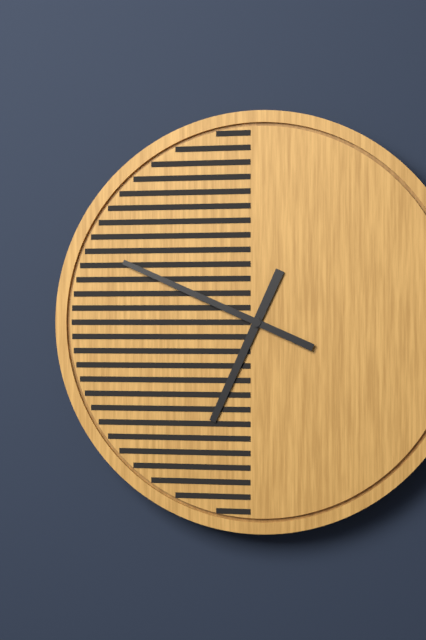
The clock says 6,49
